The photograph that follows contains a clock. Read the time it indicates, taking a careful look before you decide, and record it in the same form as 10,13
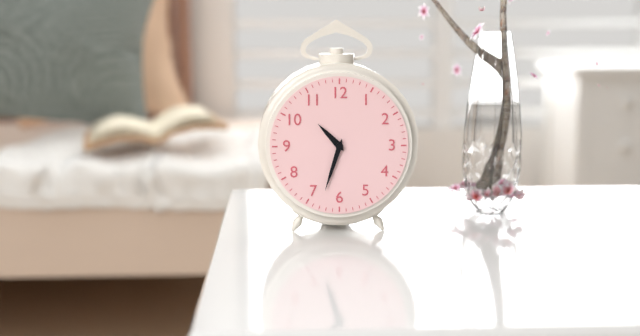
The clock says 10,33
